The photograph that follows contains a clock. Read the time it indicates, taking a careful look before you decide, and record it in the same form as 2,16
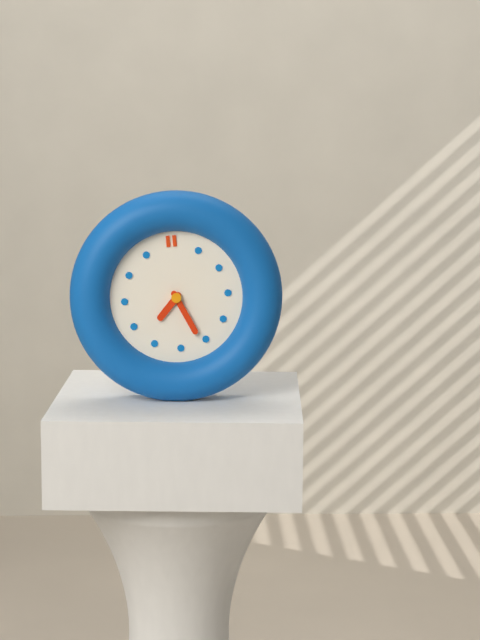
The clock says 7,26
